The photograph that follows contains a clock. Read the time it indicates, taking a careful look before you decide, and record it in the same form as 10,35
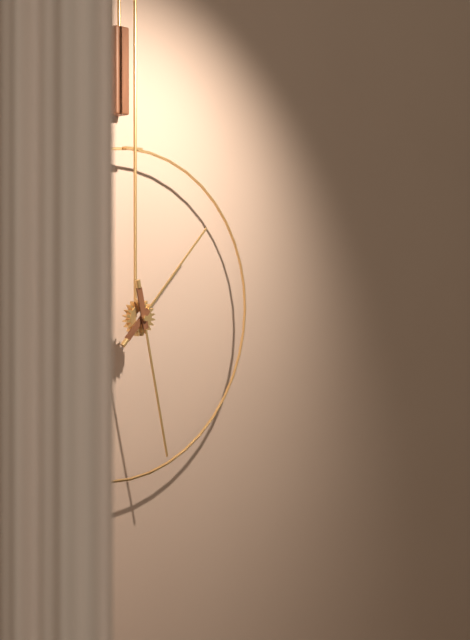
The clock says 1,28
